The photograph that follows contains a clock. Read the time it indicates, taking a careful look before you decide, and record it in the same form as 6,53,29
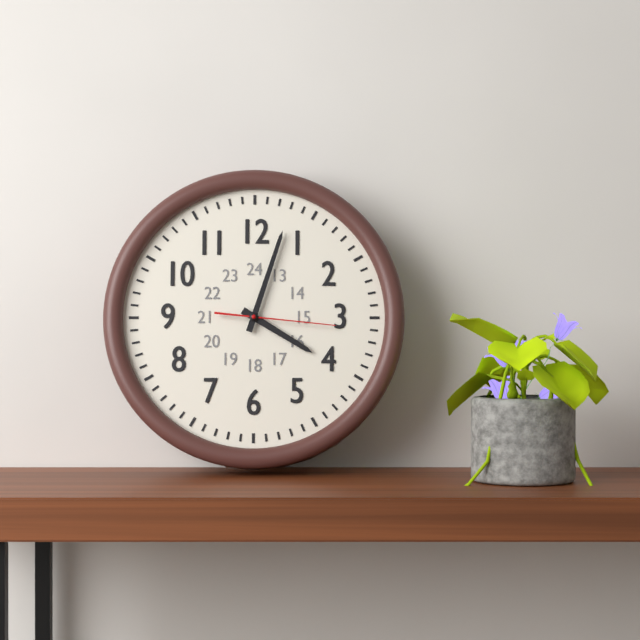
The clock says 4,03,16
